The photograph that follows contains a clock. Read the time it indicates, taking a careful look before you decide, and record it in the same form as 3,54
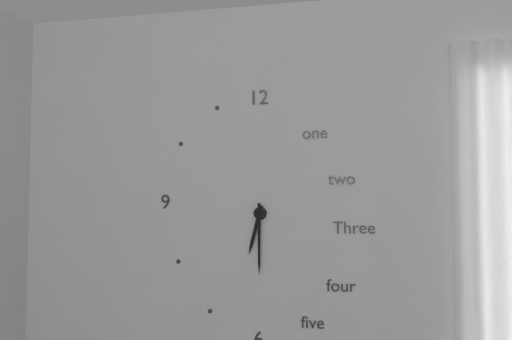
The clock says 6,30
